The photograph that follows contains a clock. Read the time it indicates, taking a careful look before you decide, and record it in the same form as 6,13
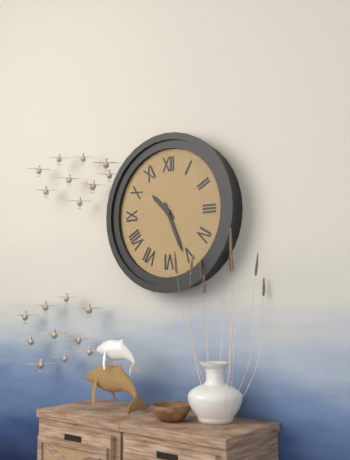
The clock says 10,26
